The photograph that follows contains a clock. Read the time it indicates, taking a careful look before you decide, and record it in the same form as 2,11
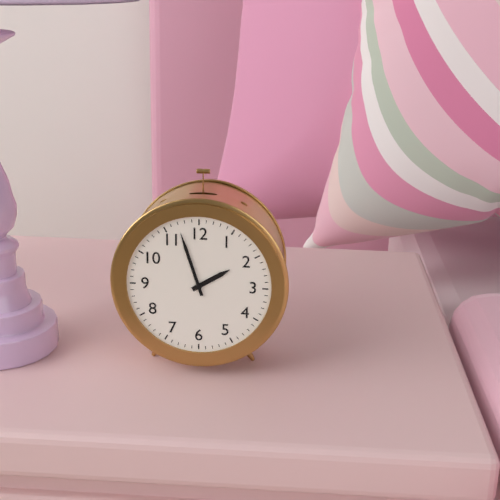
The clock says 1,57
